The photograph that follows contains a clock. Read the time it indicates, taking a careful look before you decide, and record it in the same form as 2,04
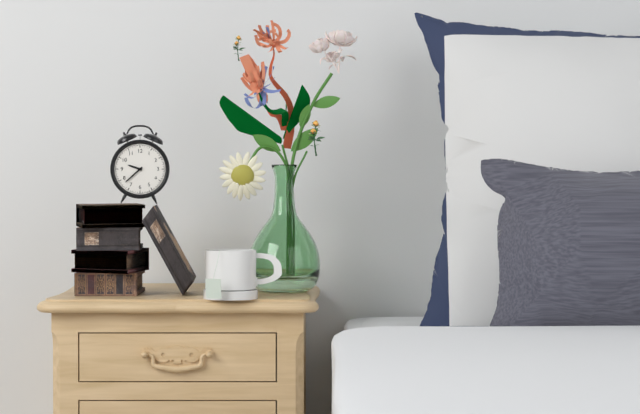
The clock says 9,38
